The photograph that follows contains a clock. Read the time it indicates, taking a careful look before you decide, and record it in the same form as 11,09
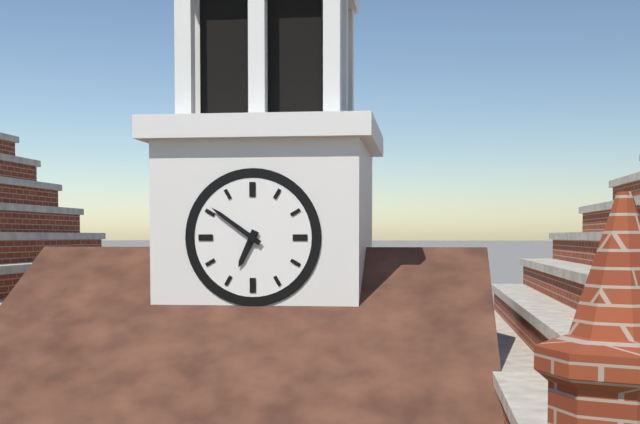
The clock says 6,51
